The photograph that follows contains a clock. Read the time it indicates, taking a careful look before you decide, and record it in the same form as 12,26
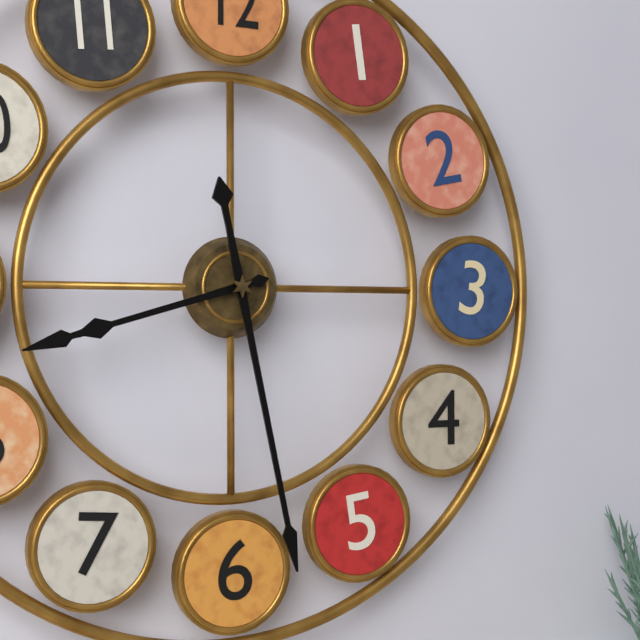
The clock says 8,28
